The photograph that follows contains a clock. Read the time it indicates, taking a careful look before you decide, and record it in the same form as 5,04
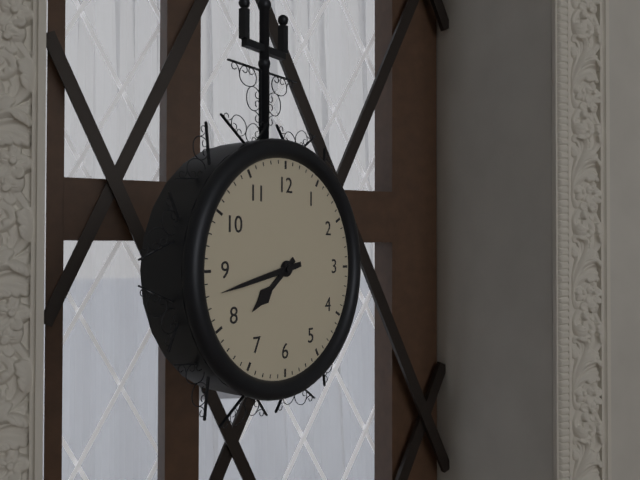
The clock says 7,43
